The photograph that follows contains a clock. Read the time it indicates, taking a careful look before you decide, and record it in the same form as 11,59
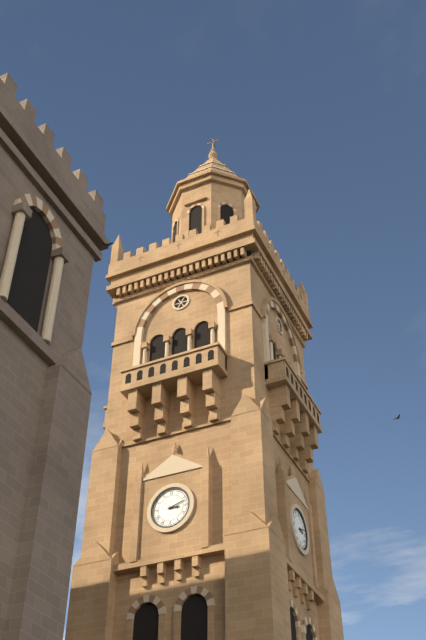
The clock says 3,12
